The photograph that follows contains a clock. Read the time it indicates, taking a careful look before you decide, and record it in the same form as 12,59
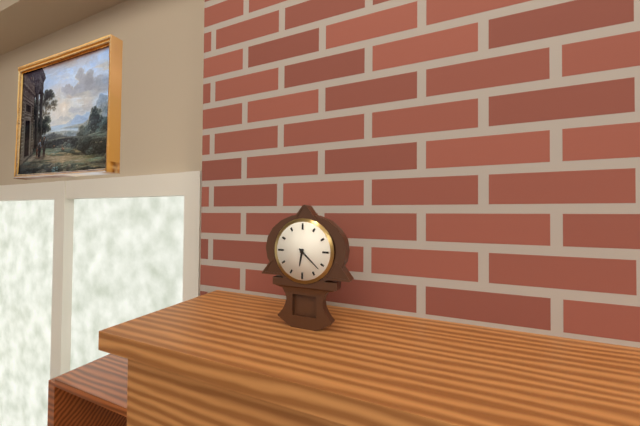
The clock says 6,22
